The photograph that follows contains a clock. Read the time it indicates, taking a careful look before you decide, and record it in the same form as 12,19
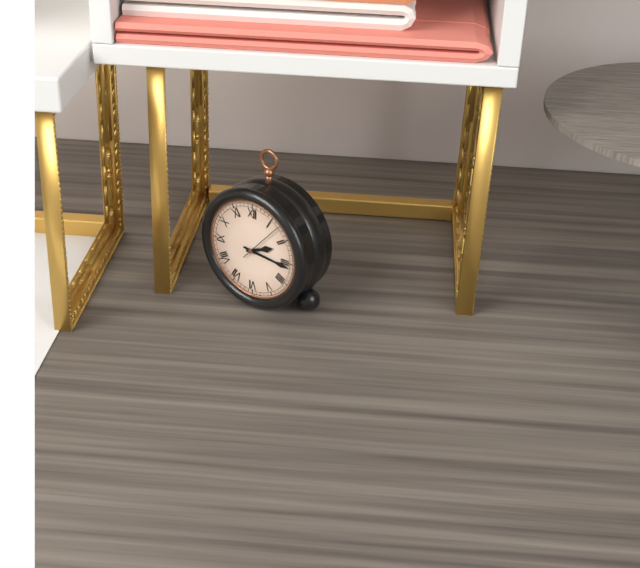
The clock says 2,16
